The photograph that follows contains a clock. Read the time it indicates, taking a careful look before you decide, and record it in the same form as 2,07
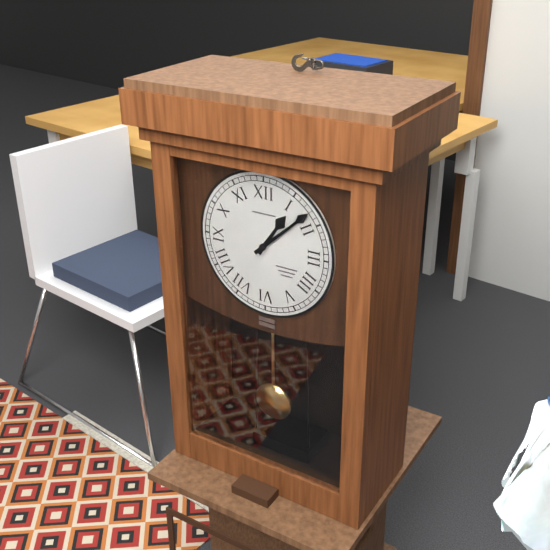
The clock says 1,08
